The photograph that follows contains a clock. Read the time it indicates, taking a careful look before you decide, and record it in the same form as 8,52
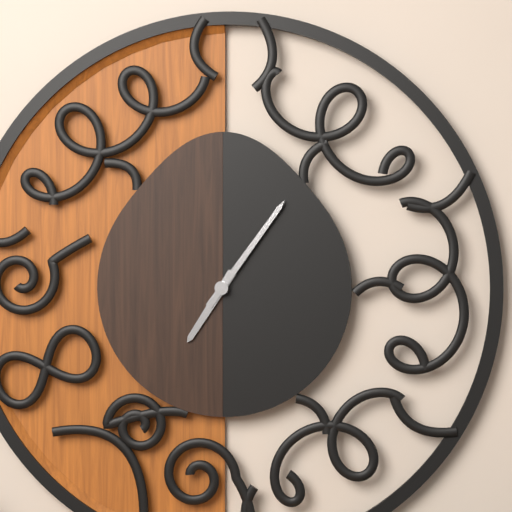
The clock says 7,06
